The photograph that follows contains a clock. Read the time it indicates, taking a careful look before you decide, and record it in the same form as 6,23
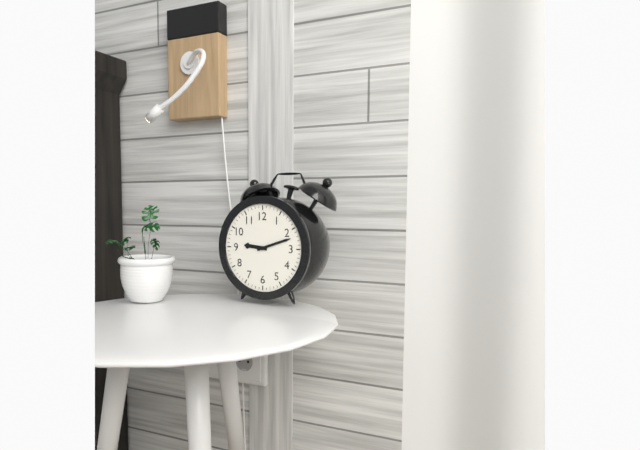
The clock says 9,12
